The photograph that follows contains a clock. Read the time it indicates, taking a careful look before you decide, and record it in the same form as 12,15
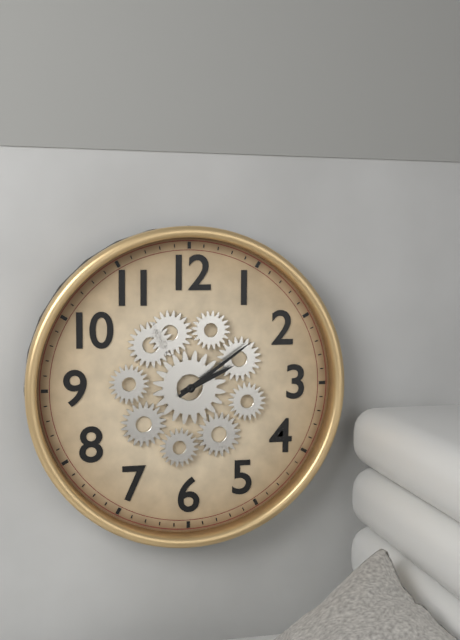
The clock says 2,09
